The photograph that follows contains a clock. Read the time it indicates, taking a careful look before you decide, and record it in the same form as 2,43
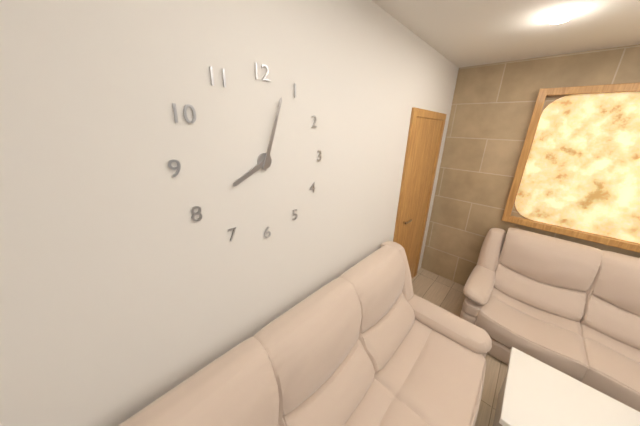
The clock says 8,03
